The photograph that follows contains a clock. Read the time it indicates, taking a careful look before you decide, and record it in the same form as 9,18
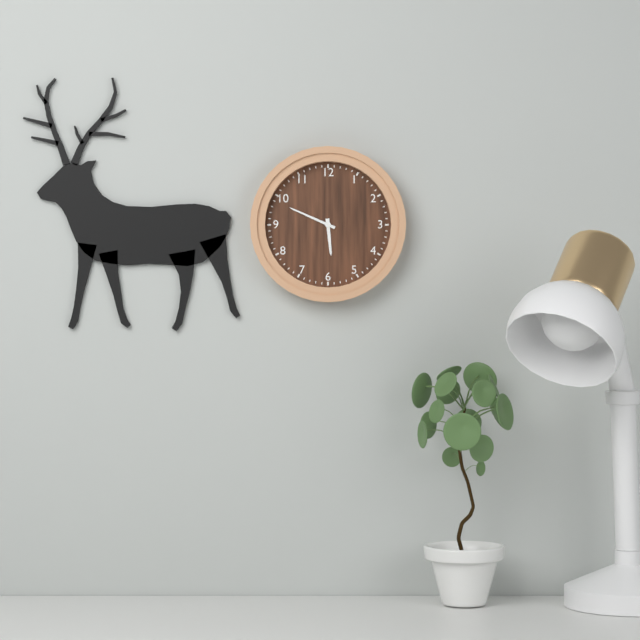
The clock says 5,49
